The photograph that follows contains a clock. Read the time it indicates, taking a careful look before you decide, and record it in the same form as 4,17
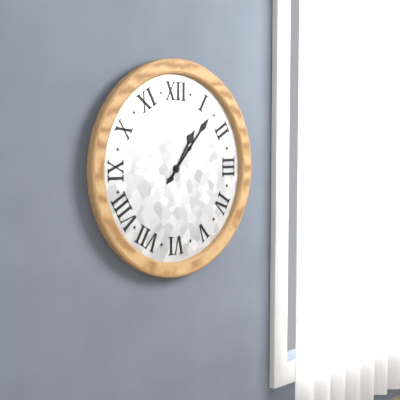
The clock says 1,07
